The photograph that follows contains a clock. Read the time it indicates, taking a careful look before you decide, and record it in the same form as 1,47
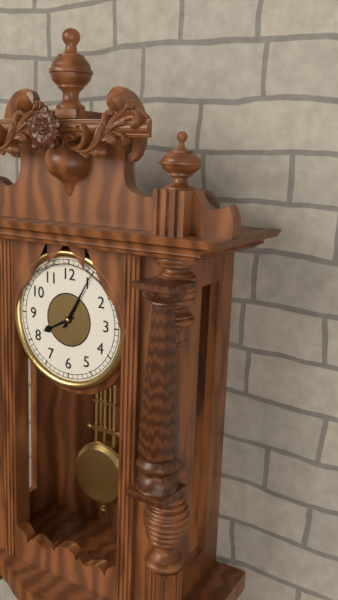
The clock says 8,05
